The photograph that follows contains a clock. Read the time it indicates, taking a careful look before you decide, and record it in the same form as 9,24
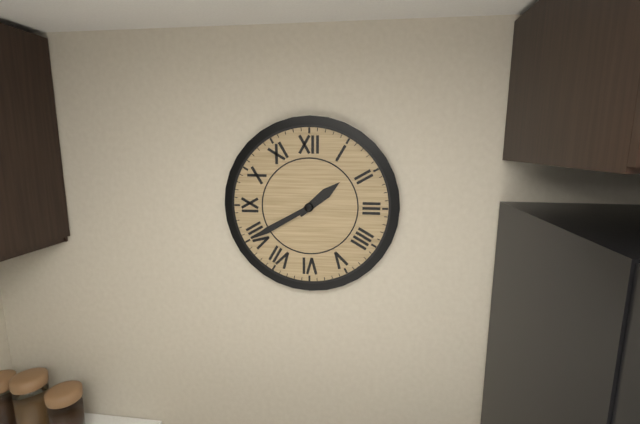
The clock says 1,40
